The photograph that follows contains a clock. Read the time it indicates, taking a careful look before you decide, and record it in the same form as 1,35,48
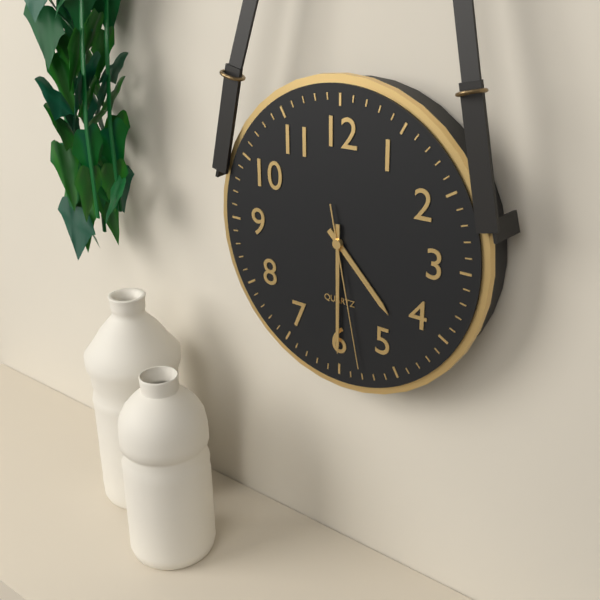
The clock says 4,30,28
